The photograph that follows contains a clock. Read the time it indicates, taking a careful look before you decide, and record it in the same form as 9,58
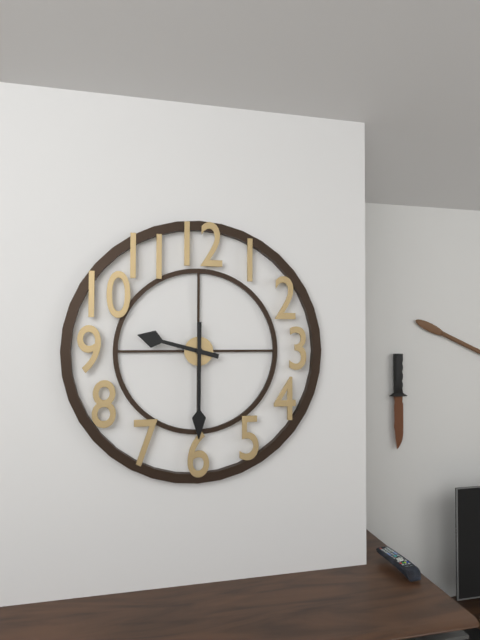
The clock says 9,30
